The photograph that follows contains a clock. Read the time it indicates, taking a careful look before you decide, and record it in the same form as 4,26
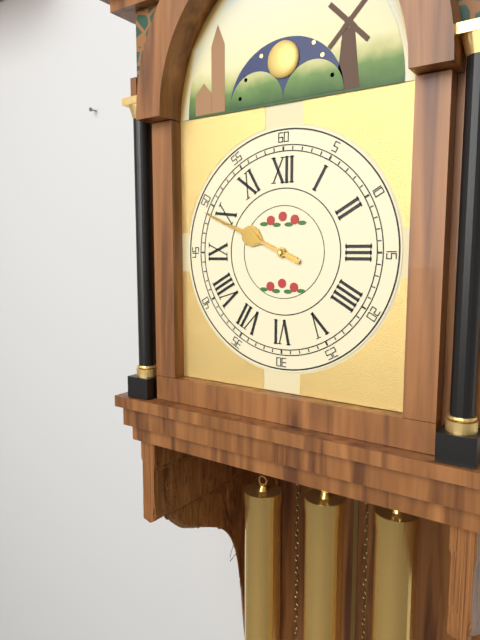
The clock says 9,49
